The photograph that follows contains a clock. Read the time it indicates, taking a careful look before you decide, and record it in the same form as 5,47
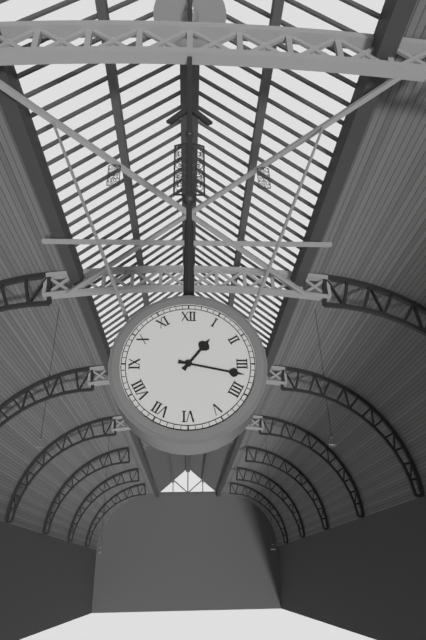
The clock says 1,17
